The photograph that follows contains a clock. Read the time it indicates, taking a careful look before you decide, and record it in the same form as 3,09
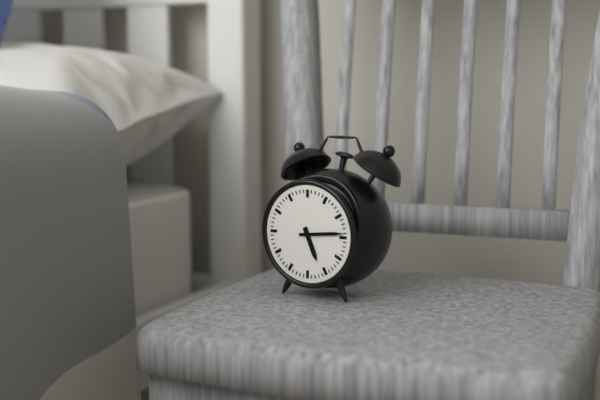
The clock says 5,14
